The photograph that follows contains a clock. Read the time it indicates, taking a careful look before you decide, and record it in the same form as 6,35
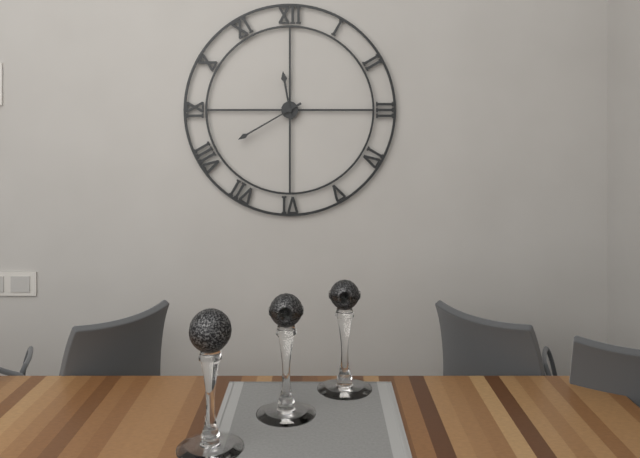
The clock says 11,40
